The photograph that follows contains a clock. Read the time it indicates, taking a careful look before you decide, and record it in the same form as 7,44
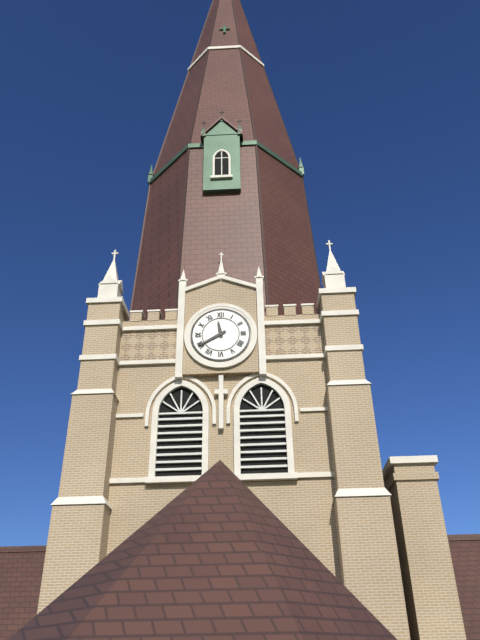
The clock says 11,40
